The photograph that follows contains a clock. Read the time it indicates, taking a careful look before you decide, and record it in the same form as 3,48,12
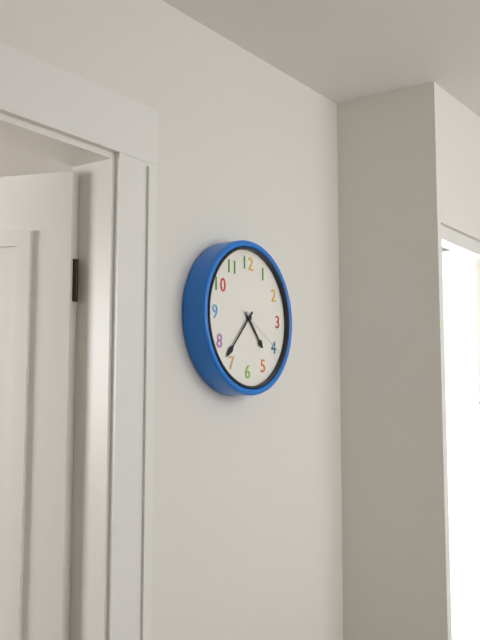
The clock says 4,37,20
